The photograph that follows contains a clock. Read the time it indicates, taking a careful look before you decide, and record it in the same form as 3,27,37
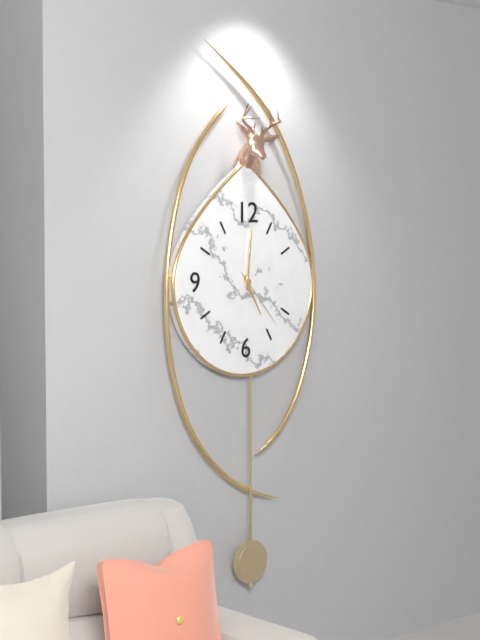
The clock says 5,01,23
